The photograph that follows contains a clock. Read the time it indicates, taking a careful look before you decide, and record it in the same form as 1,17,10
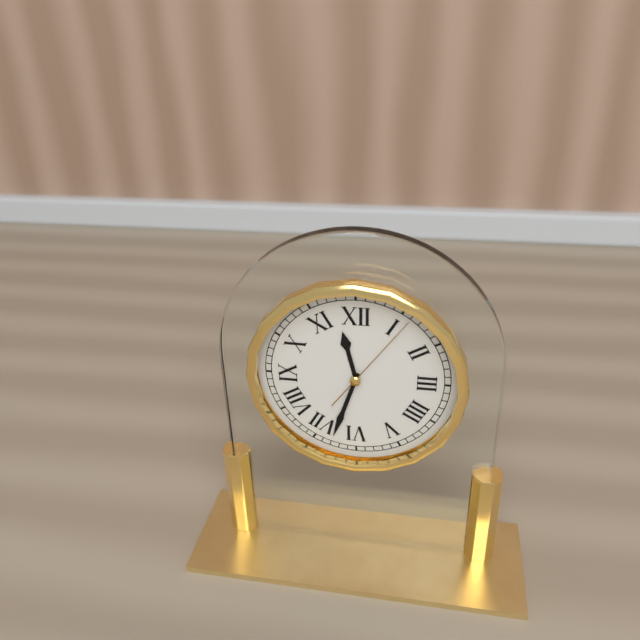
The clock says 11,33,06
